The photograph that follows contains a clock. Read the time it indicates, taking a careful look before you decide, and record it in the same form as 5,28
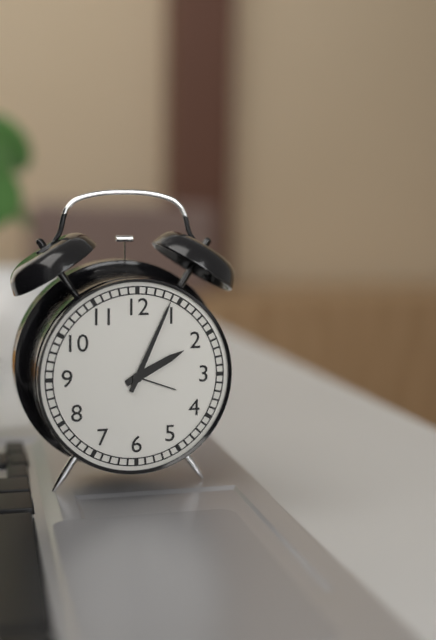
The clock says 2,04
